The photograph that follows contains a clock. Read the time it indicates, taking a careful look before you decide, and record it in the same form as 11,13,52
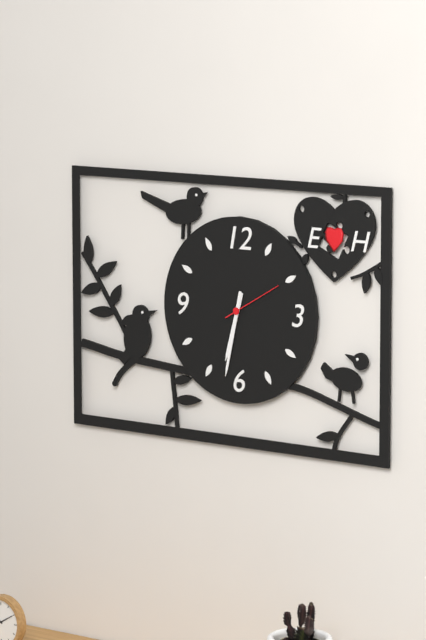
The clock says 6,32,10
